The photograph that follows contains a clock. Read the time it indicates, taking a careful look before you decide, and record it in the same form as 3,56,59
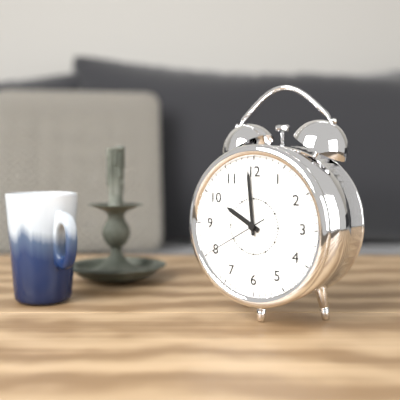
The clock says 9,59,40
